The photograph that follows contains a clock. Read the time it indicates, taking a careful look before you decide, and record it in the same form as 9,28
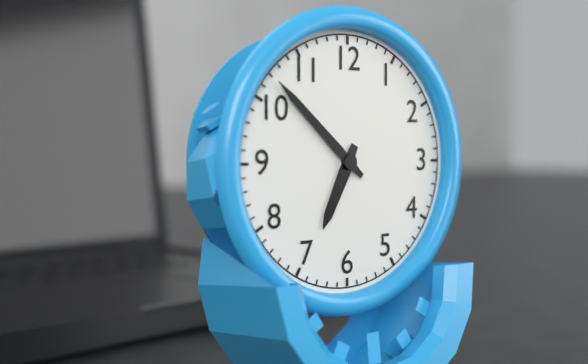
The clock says 6,52
